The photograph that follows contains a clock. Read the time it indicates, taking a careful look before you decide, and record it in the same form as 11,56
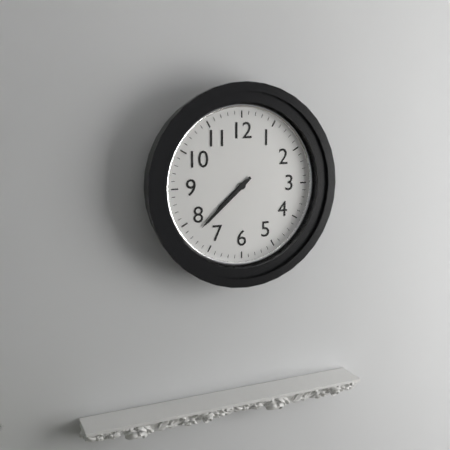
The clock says 7,38
